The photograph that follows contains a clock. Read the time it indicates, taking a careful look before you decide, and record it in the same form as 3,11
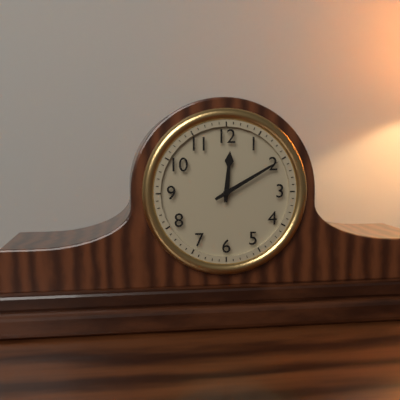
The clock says 12,10
